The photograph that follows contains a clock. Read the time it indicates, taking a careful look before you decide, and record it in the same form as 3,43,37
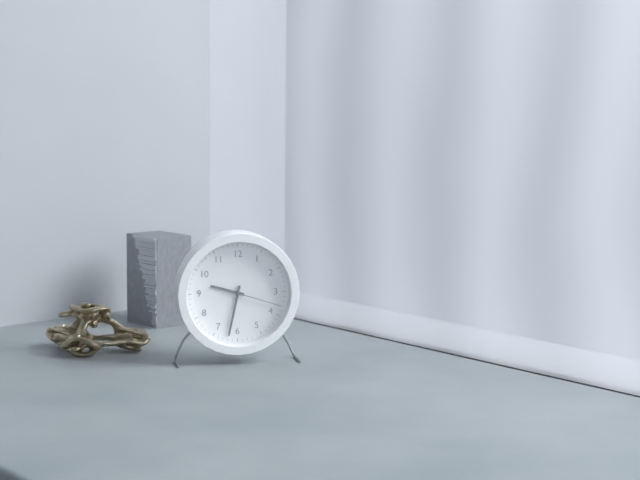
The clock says 9,32,18
